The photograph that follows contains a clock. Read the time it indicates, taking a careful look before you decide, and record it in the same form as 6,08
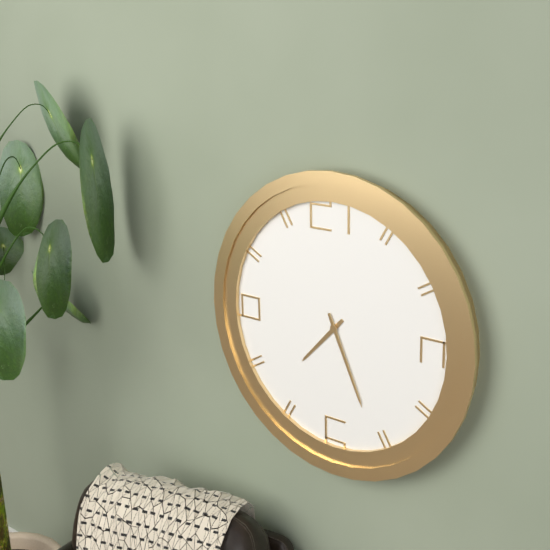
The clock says 7,26
